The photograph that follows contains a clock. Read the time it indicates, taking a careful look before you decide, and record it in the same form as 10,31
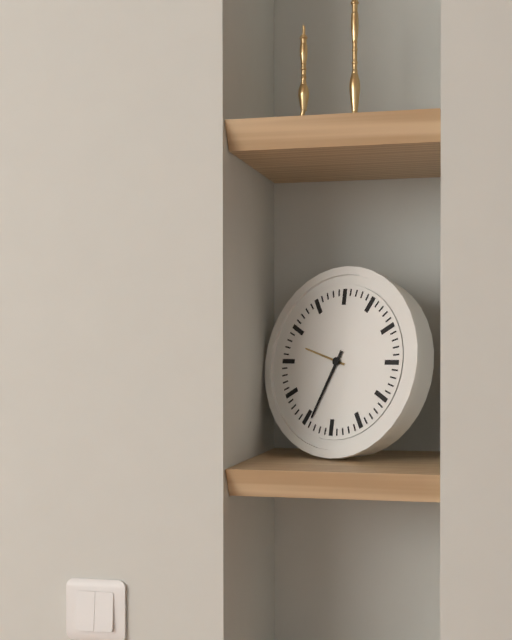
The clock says 9,34
